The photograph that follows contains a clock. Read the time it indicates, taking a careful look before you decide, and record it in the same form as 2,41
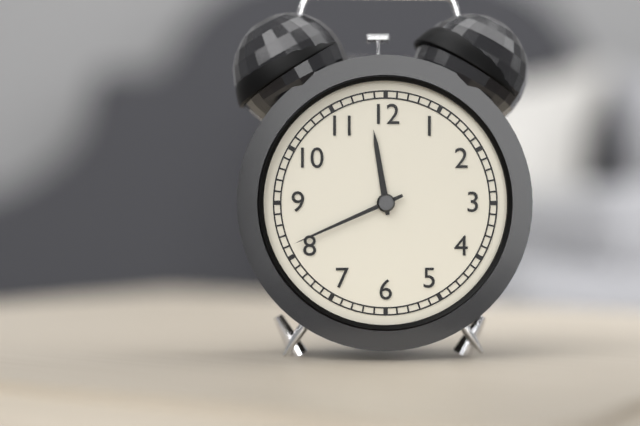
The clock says 11,41
